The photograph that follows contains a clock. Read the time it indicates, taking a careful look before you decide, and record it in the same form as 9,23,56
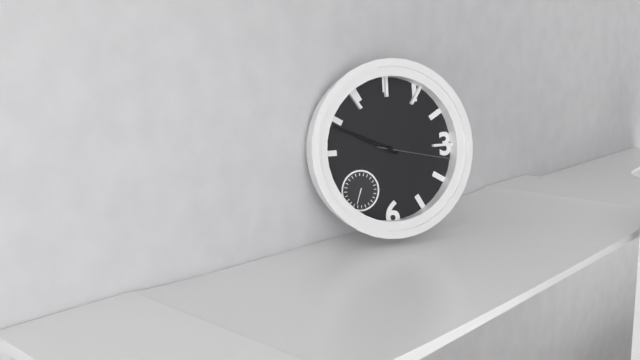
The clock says 9,49,17
